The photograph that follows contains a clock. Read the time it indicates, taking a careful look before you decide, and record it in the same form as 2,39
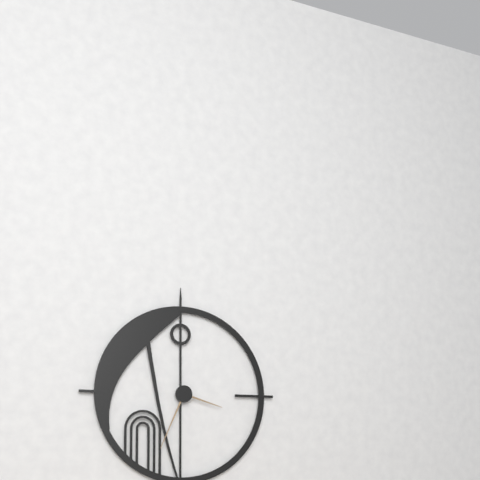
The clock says 3,34
